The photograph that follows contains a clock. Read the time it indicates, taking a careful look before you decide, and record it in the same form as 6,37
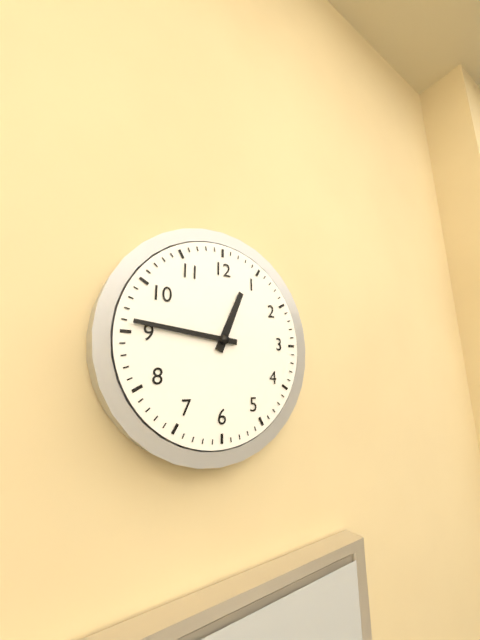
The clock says 12,46
